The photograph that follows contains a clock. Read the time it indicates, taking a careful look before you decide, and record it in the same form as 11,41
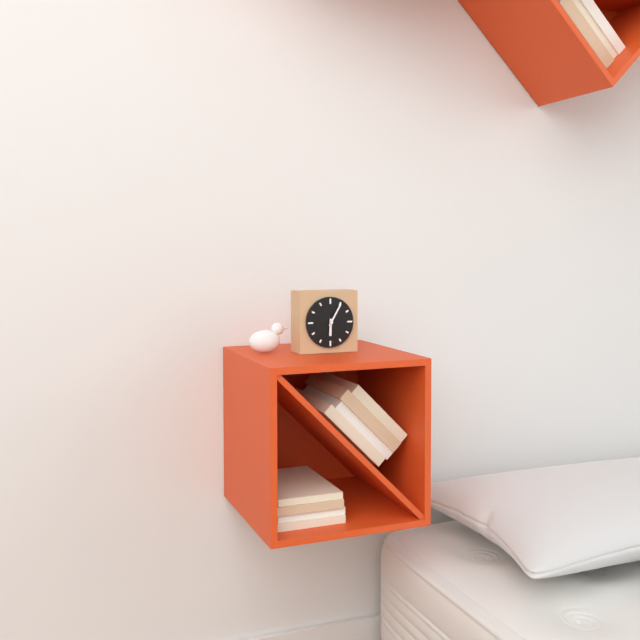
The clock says 6,05
